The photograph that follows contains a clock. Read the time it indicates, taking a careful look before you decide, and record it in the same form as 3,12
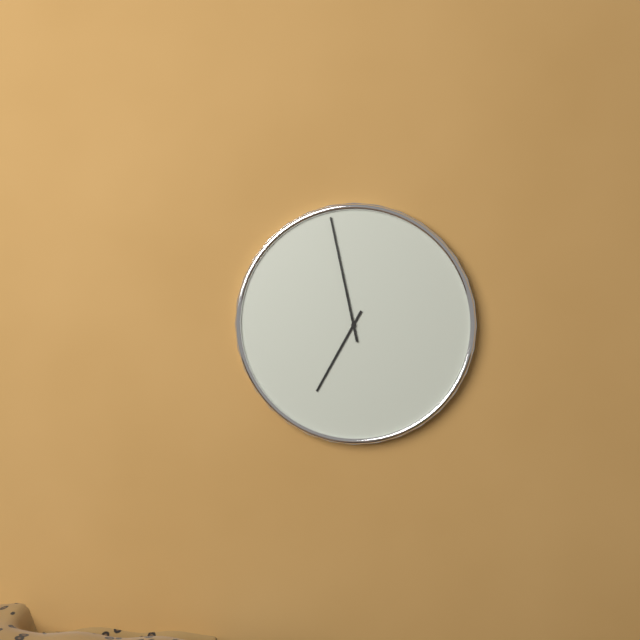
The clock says 6,58
